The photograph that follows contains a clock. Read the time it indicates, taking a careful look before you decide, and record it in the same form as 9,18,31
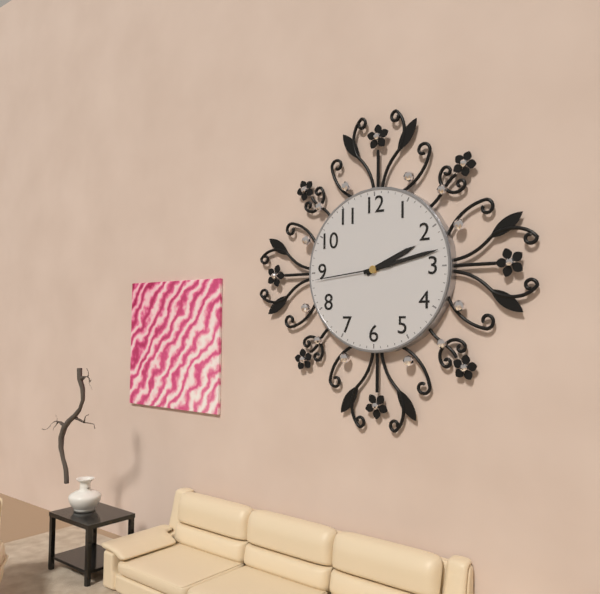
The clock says 2,13,44
